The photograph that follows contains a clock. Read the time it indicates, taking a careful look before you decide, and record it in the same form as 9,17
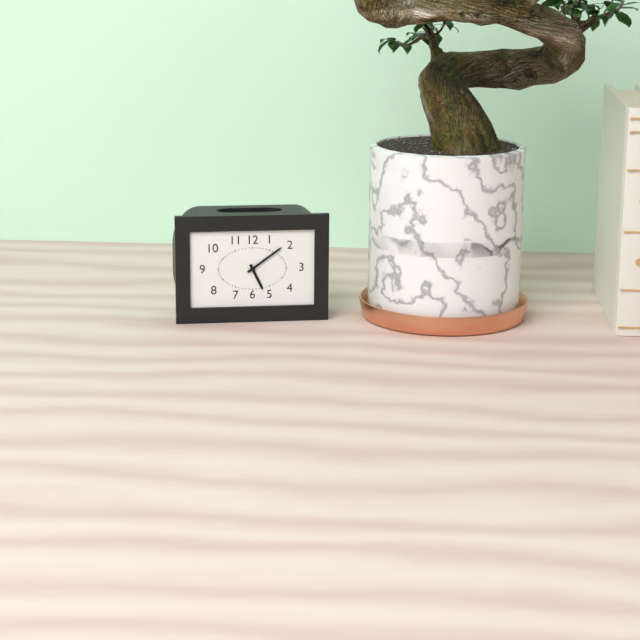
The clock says 5,09
